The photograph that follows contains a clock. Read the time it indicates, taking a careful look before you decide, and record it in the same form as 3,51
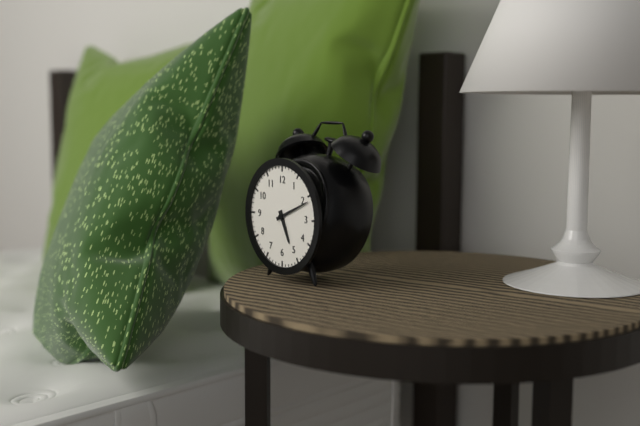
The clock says 5,11
